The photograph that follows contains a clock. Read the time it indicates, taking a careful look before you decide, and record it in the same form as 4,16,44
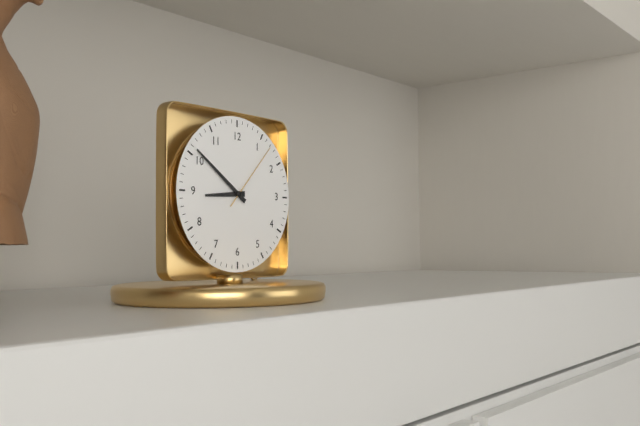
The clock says 8,51,07
